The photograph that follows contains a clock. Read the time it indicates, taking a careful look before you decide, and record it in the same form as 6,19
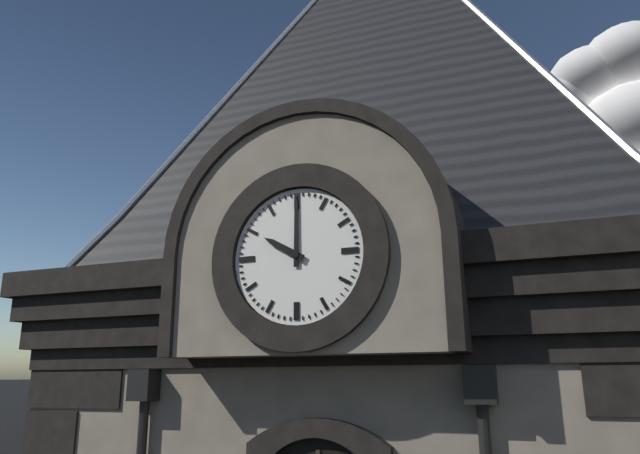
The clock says 10,00
